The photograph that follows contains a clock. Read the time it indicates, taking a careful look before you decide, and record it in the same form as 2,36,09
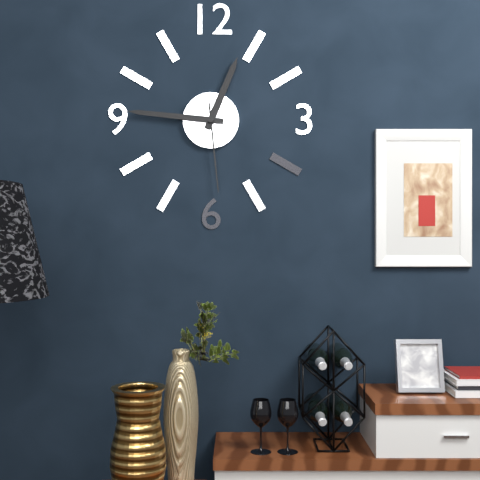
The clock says 12,46,29
